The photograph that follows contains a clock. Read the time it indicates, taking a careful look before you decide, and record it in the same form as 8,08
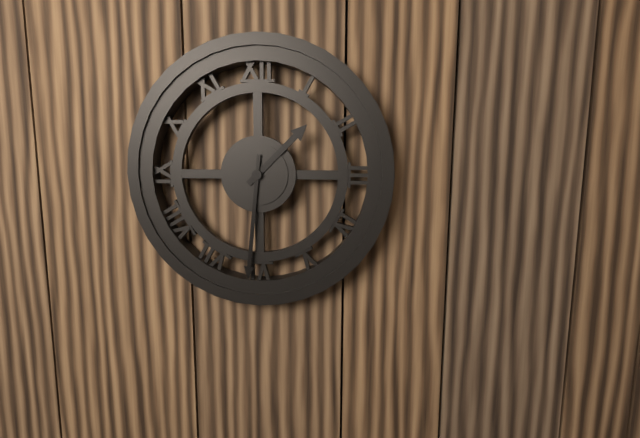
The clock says 1,31
